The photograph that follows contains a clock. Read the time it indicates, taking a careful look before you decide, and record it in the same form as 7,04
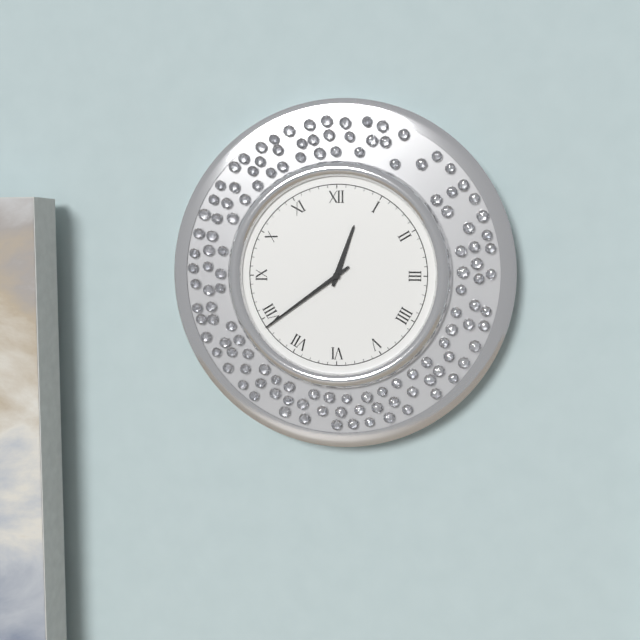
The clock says 12,39
